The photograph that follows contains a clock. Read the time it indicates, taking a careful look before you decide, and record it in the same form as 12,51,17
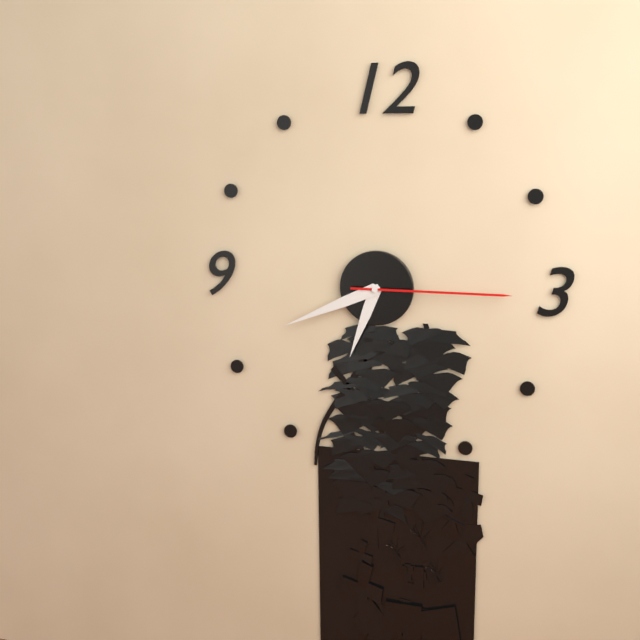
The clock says 6,41,15
